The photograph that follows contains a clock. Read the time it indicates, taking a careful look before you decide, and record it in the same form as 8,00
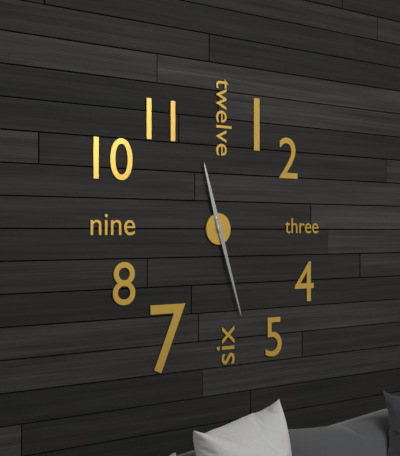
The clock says 11,27
